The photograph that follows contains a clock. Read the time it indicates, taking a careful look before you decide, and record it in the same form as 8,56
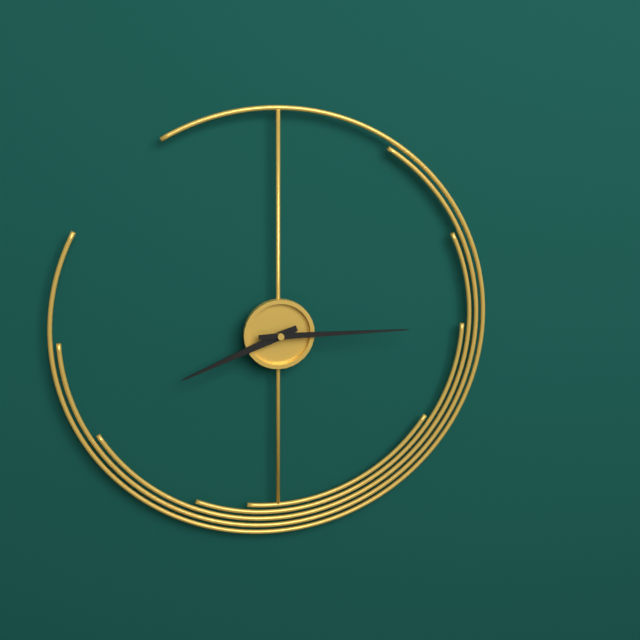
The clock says 8,15
